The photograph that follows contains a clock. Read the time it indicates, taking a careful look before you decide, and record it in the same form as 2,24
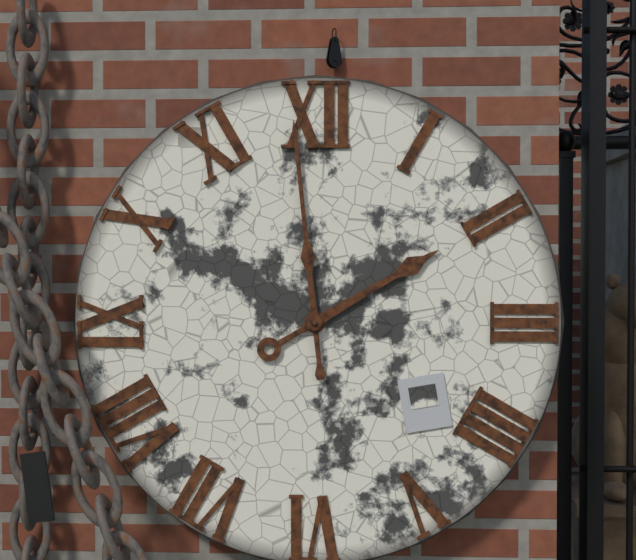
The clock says 1,59
